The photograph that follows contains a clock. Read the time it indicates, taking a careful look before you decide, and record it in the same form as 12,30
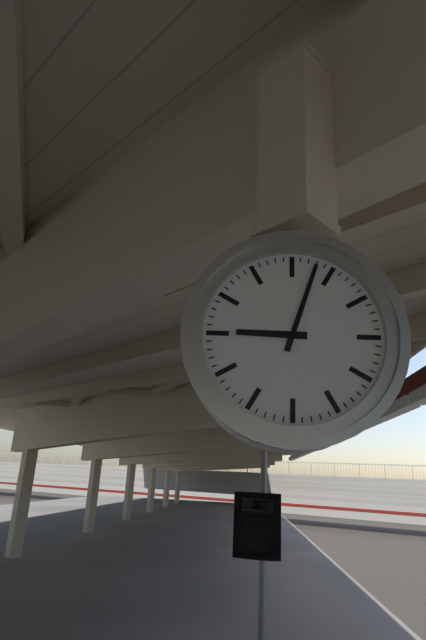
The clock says 9,03
